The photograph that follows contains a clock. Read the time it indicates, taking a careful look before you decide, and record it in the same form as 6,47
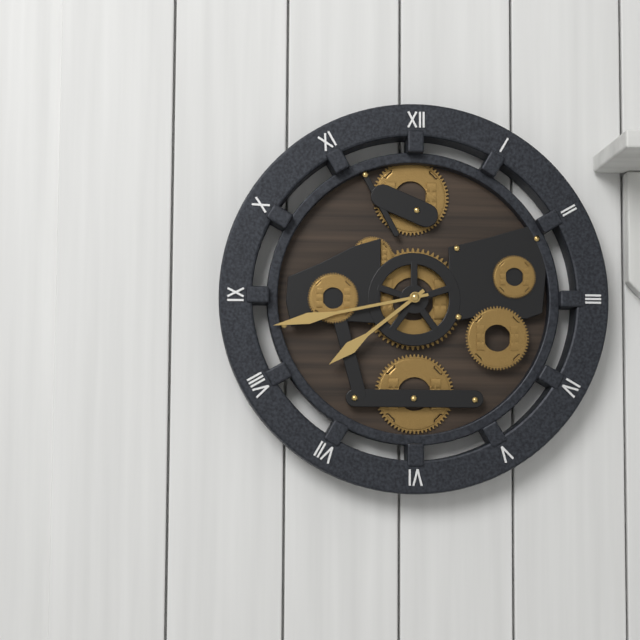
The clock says 7,43
